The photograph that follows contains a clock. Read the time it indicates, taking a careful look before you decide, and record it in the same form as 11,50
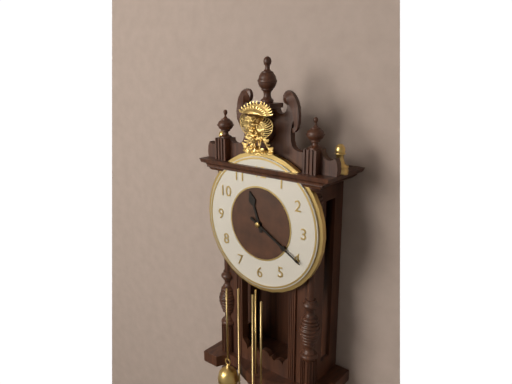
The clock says 11,20
